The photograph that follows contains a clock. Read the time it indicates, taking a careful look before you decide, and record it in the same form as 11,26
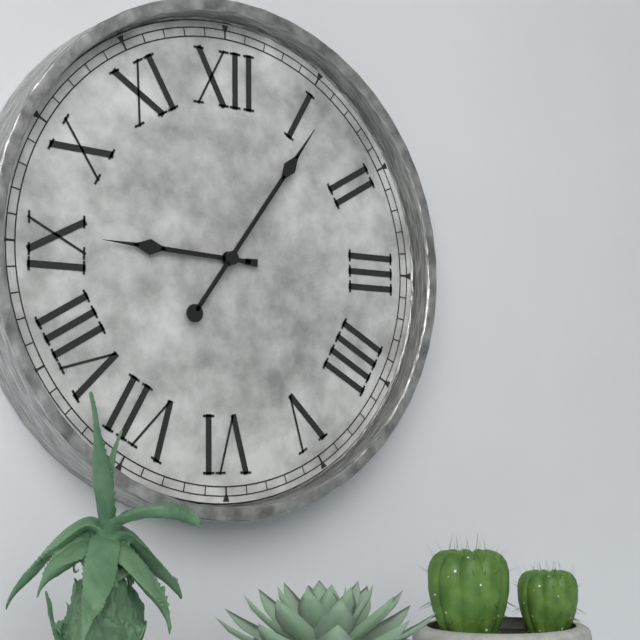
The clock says 9,06
